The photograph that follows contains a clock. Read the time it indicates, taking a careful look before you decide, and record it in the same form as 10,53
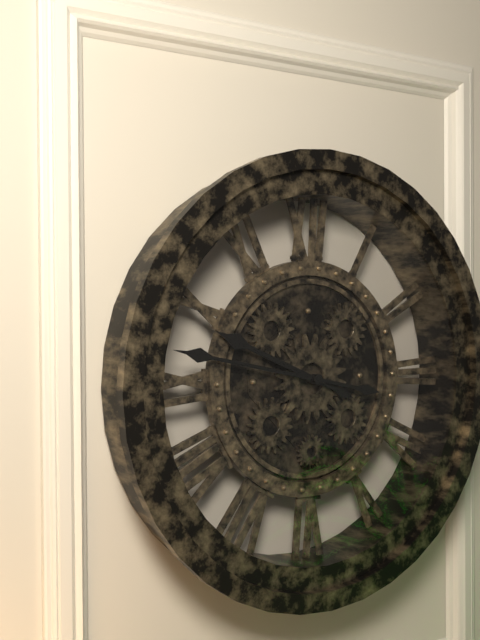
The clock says 9,47
